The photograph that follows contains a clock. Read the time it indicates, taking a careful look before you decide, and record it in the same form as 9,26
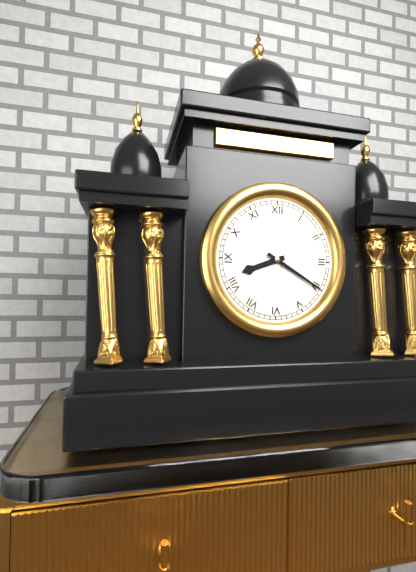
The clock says 8,20
